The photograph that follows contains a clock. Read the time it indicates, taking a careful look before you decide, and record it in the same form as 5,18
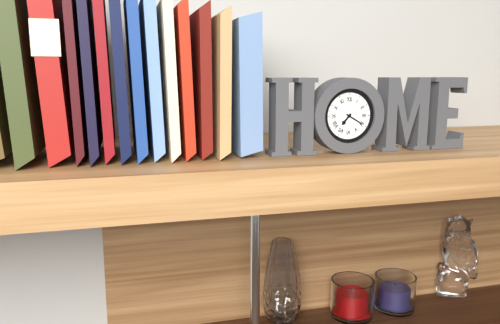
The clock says 7,20
